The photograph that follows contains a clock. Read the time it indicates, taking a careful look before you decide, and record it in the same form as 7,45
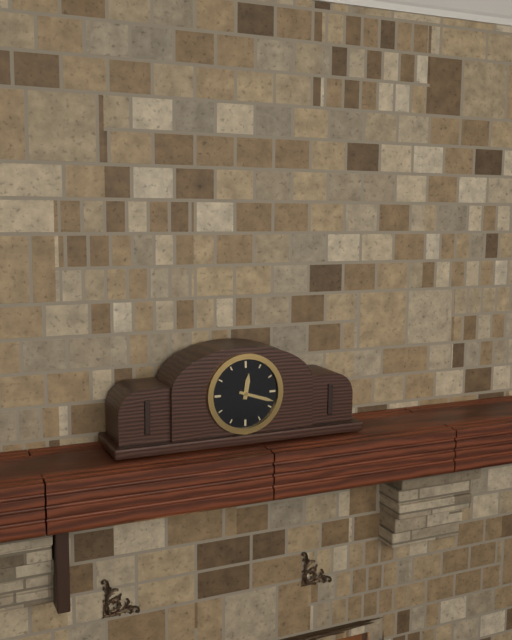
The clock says 12,18
